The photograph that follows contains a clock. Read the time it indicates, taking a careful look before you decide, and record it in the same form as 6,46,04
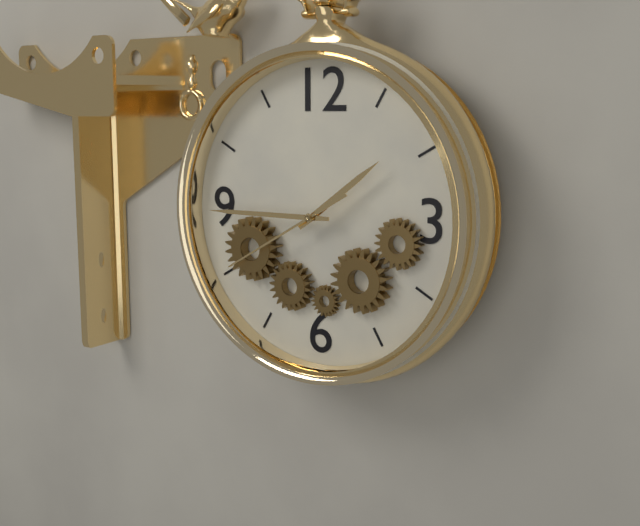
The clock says 1,45,40
